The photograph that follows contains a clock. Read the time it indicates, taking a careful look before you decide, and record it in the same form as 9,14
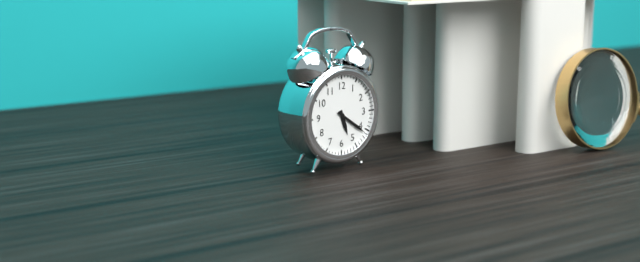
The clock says 5,21
